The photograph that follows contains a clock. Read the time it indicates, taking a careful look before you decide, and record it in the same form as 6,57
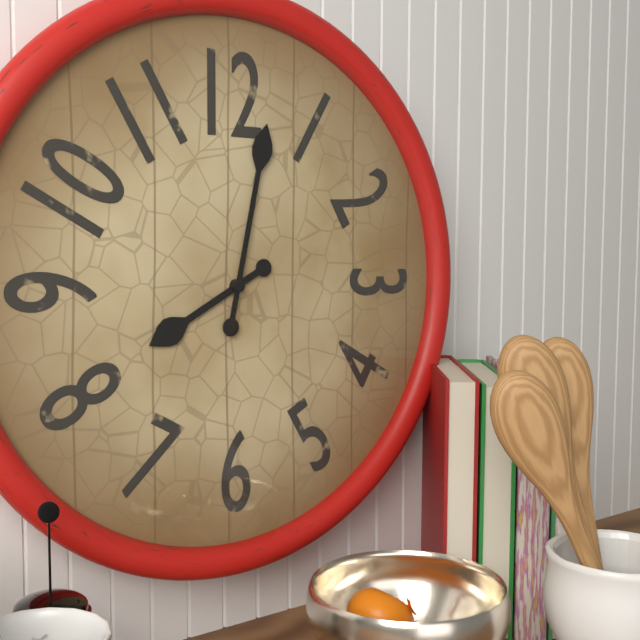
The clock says 8,02
